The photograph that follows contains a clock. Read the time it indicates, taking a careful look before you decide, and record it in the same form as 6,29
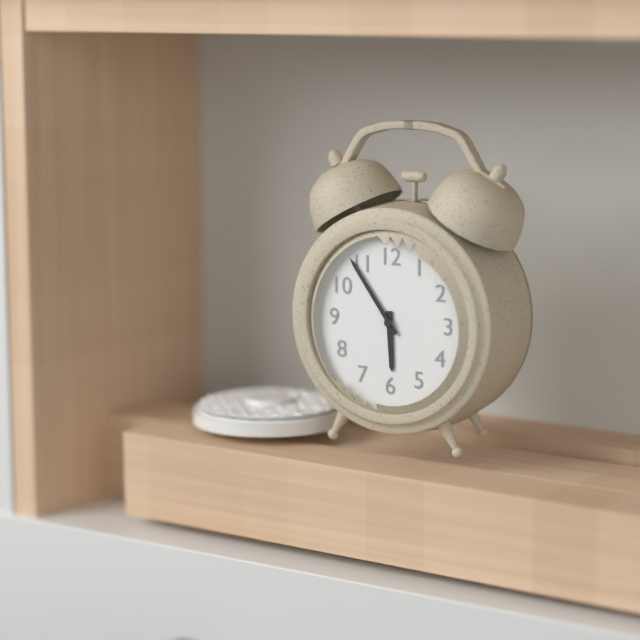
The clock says 5,54
